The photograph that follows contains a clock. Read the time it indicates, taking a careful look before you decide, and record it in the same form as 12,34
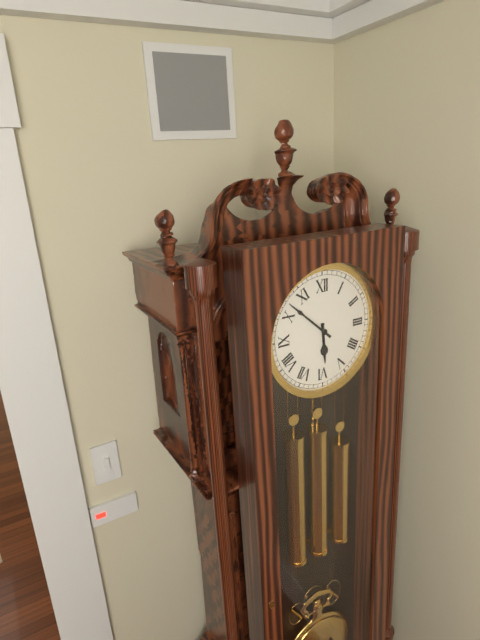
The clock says 5,52
